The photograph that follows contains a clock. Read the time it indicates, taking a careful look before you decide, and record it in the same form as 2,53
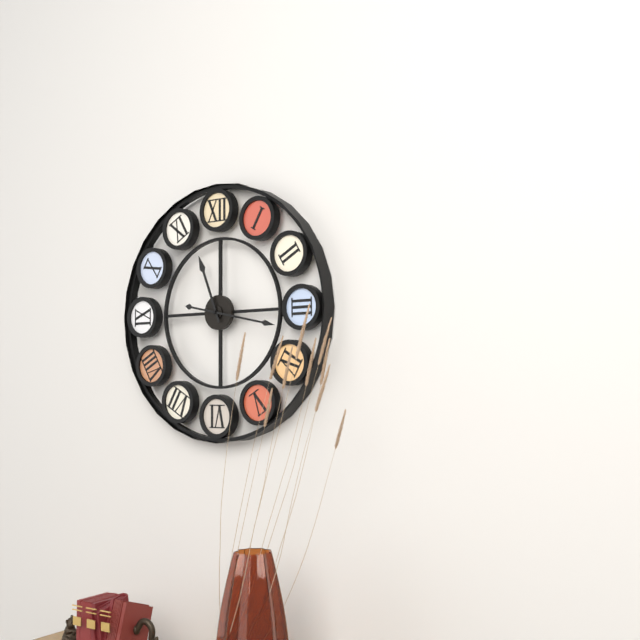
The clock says 11,17
